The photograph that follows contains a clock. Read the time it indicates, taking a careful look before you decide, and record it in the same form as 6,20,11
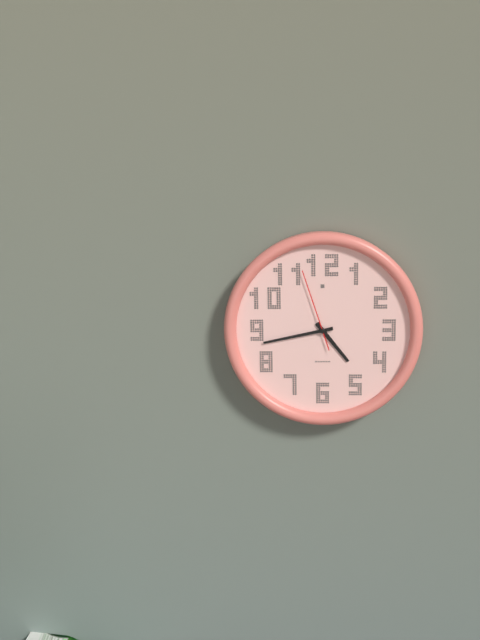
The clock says 4,43,57
